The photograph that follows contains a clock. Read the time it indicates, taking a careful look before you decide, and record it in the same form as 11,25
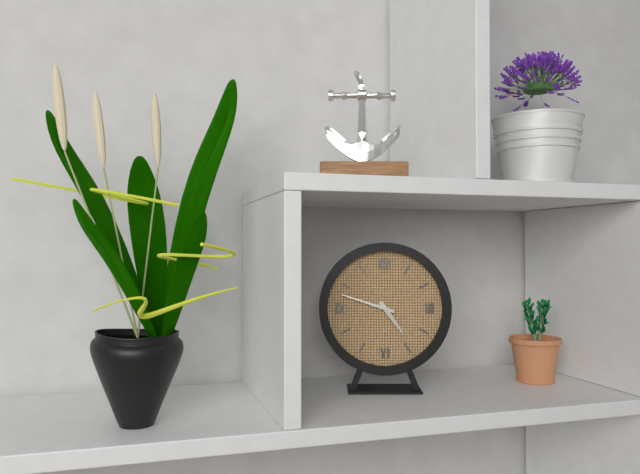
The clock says 4,48
